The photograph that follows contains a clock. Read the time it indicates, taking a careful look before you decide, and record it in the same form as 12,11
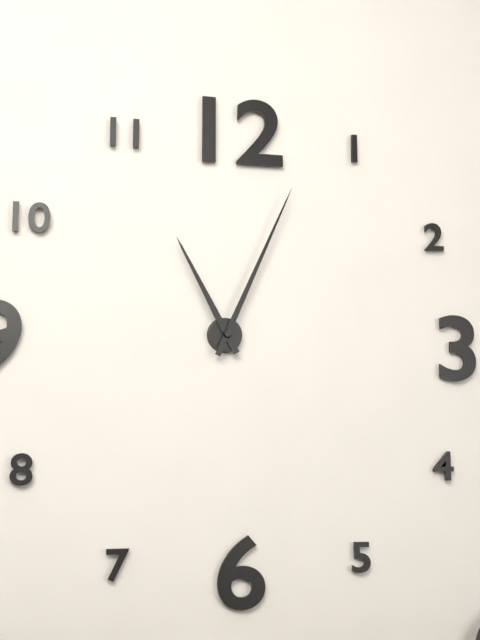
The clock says 11,04
